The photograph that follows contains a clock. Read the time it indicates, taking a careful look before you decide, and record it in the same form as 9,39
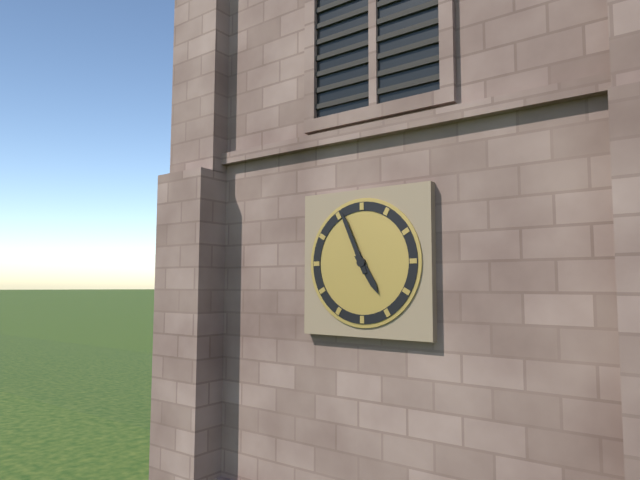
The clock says 4,56
